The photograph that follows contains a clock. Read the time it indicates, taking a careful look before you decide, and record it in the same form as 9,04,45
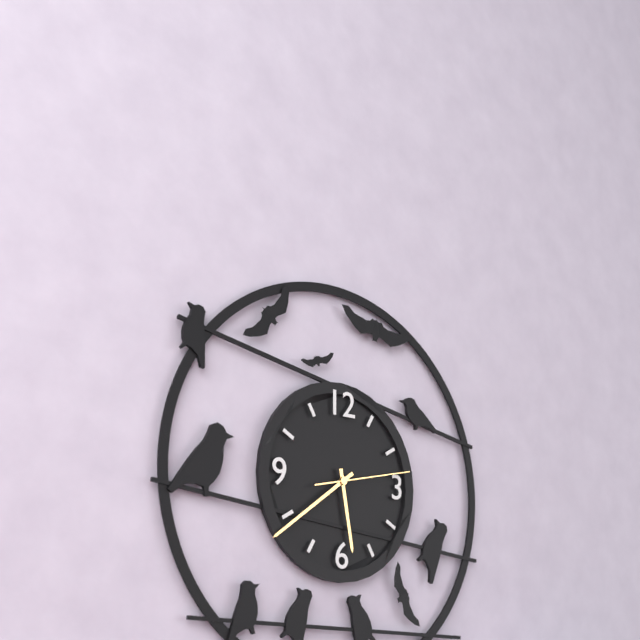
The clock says 5,39,13
